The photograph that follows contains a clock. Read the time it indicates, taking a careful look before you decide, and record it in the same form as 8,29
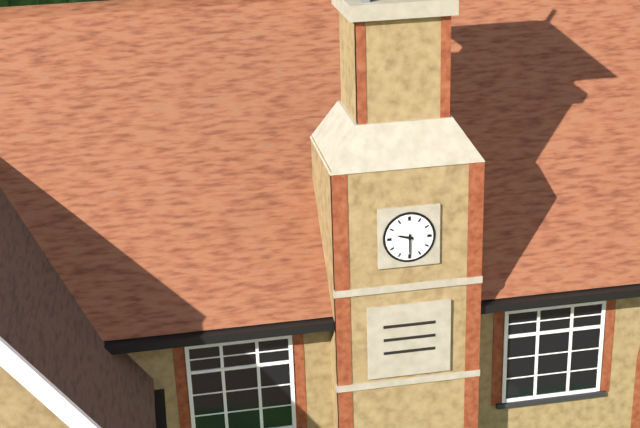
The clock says 9,30
